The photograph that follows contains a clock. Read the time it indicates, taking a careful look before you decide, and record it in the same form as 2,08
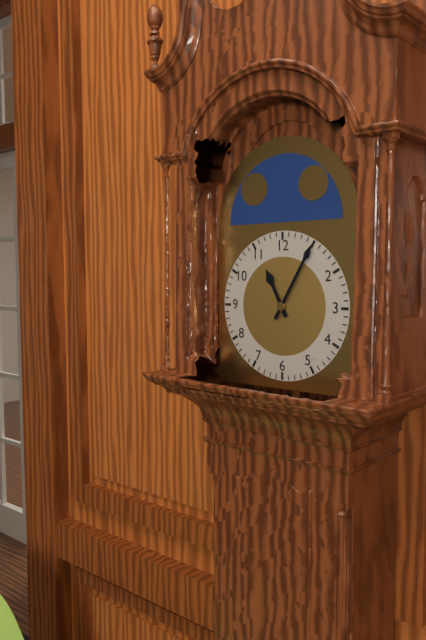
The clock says 11,05
